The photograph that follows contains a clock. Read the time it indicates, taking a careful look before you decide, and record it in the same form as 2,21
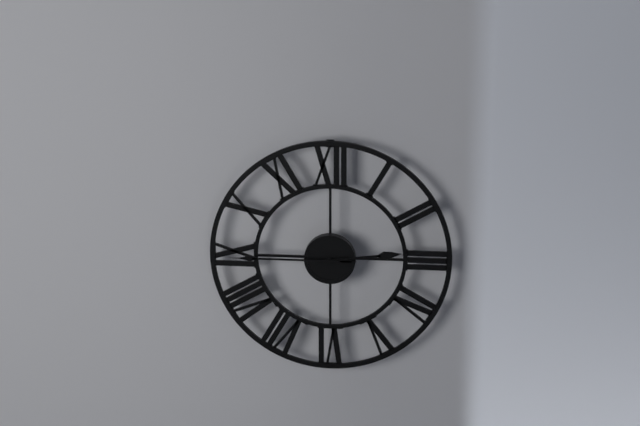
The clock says 2,45
